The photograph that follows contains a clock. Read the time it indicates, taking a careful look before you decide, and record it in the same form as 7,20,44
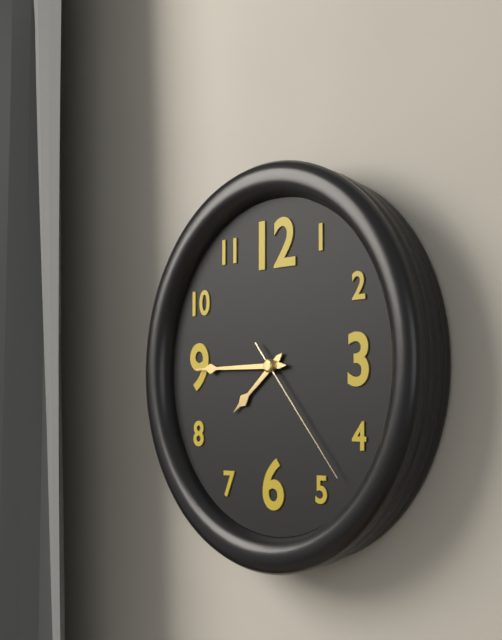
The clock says 7,45,23
